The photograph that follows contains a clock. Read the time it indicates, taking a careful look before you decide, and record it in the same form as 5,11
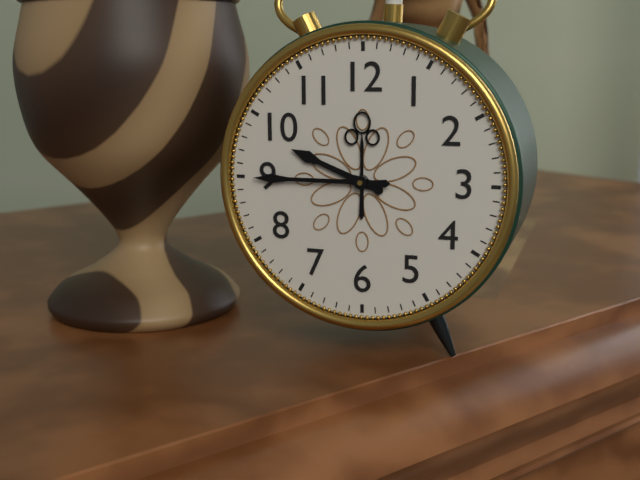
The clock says 9,45
